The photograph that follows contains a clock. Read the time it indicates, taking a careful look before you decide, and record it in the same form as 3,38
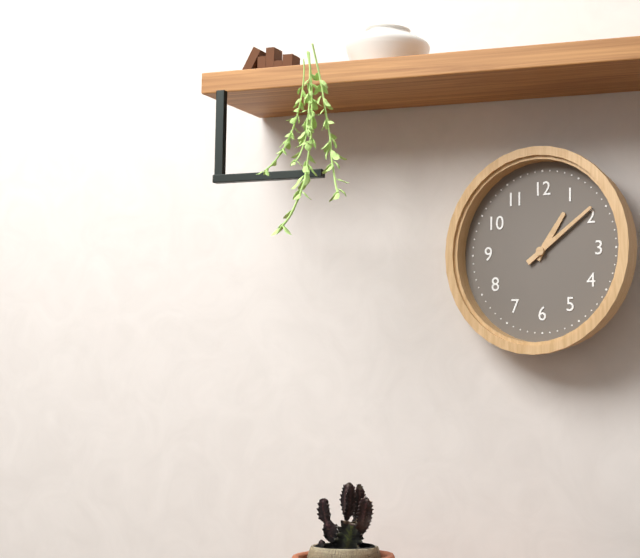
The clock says 1,09
